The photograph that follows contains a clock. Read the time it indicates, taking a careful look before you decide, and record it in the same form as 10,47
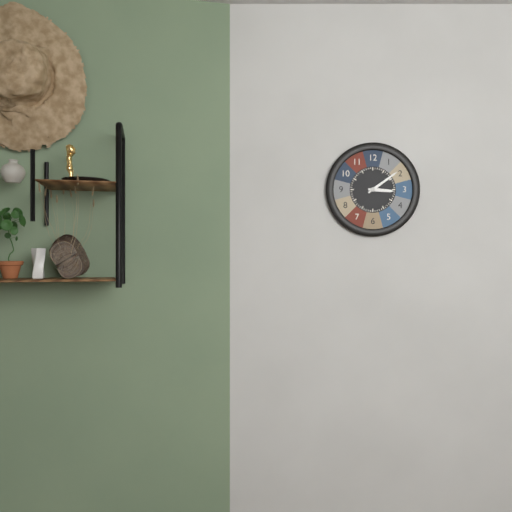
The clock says 3,09
